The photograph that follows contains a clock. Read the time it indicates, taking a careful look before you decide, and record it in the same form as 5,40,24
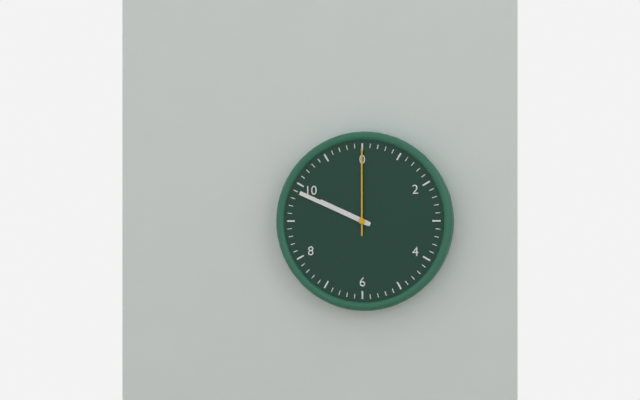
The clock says 9,49,00
